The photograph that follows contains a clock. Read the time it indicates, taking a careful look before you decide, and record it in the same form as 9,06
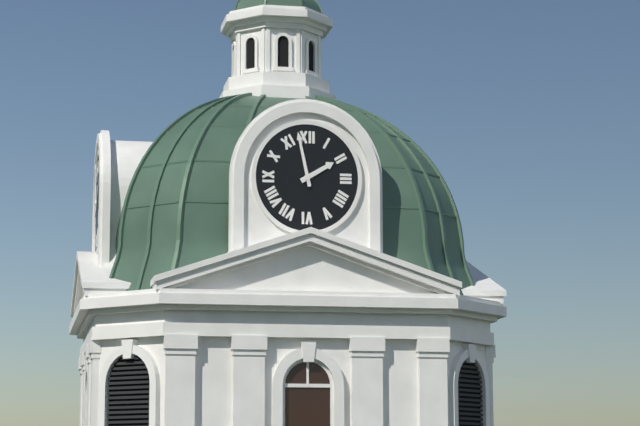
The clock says 1,58
